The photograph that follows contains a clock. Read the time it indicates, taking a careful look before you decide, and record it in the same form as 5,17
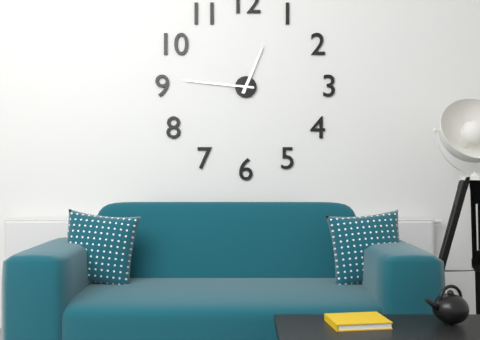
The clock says 12,46
